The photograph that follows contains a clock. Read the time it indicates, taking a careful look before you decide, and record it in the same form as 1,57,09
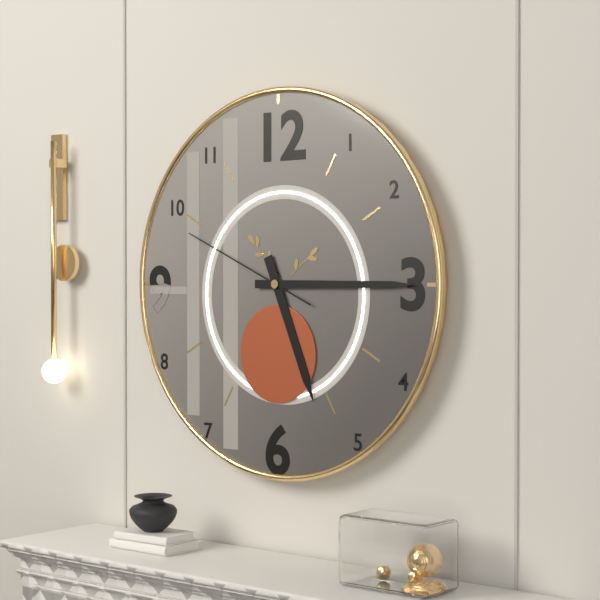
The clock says 5,15,49
